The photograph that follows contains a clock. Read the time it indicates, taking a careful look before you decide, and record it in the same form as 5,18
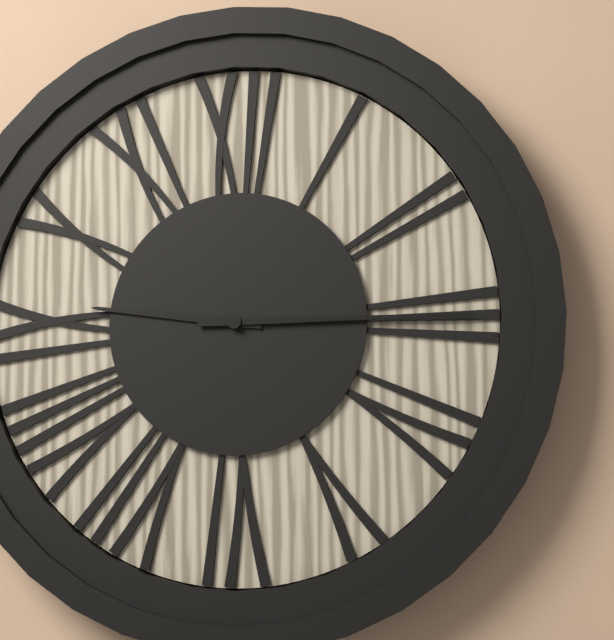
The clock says 9,15
